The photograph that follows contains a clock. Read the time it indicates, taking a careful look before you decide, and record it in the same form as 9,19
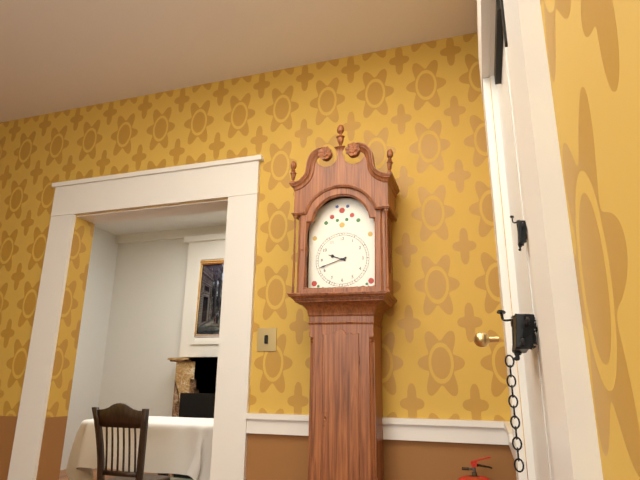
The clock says 9,42
